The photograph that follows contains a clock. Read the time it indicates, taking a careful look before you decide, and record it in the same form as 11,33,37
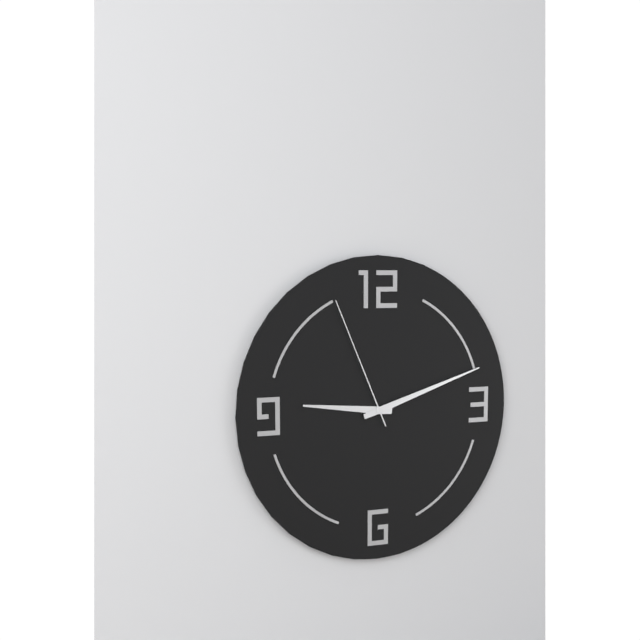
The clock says 9,12,56
